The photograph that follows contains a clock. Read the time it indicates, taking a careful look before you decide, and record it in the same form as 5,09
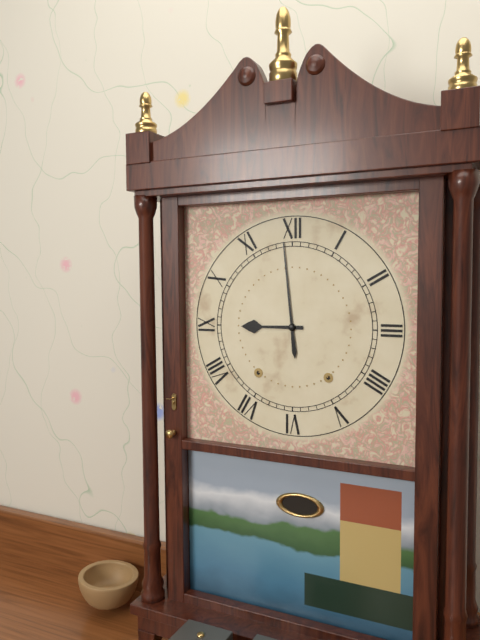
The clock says 8,59
